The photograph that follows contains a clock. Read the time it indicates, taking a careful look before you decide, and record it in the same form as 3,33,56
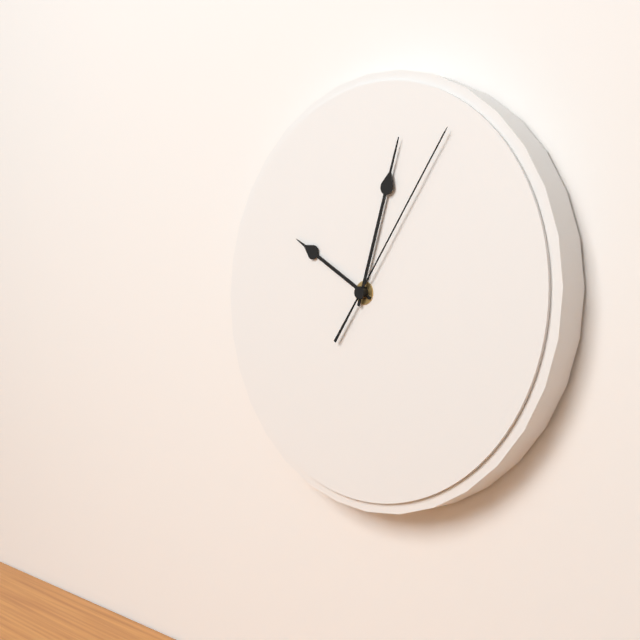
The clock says 10,03,06
